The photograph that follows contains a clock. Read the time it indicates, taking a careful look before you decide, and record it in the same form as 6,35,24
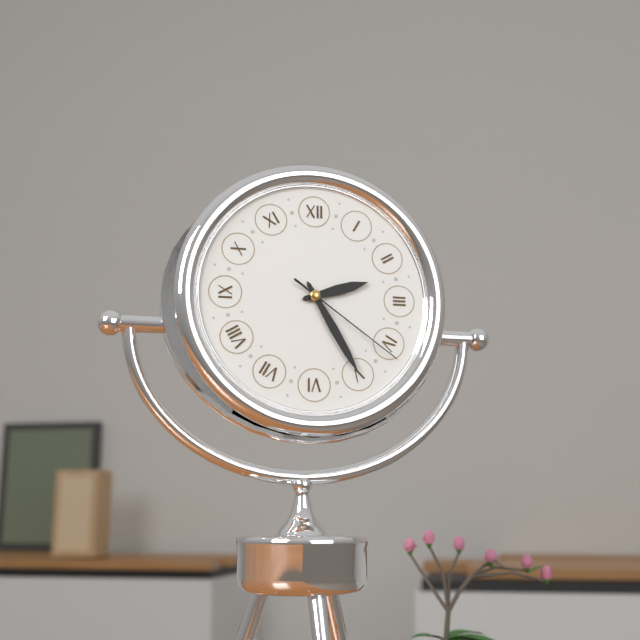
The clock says 2,25,21
